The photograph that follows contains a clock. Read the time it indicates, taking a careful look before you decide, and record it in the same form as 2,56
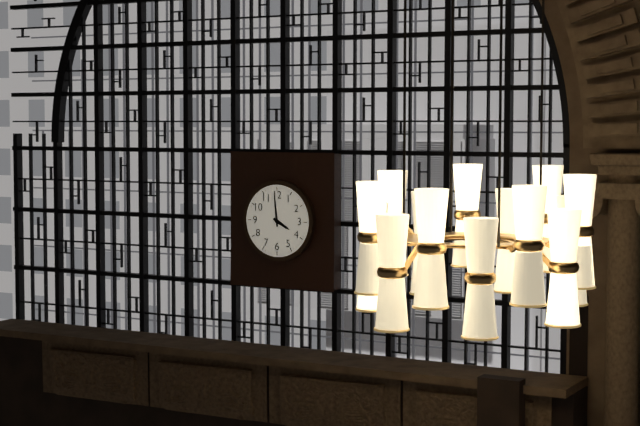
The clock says 3,59
